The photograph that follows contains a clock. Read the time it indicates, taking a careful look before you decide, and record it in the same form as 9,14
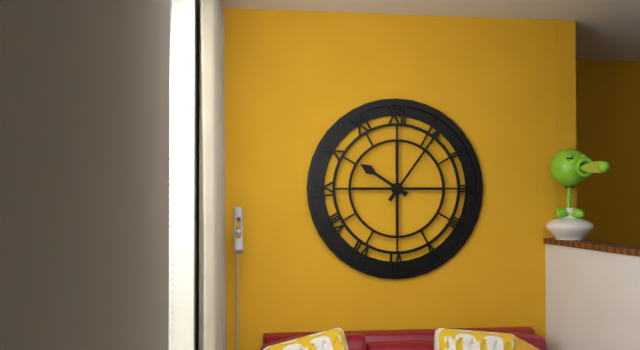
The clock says 10,06
